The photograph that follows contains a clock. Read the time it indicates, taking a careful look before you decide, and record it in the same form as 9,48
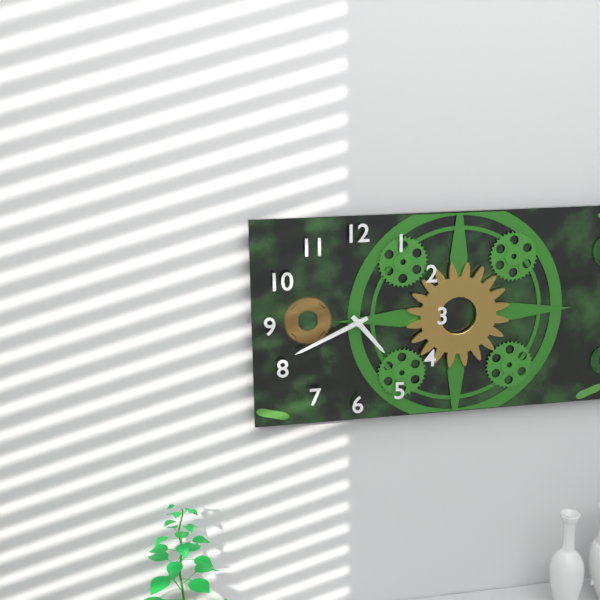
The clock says 4,41
